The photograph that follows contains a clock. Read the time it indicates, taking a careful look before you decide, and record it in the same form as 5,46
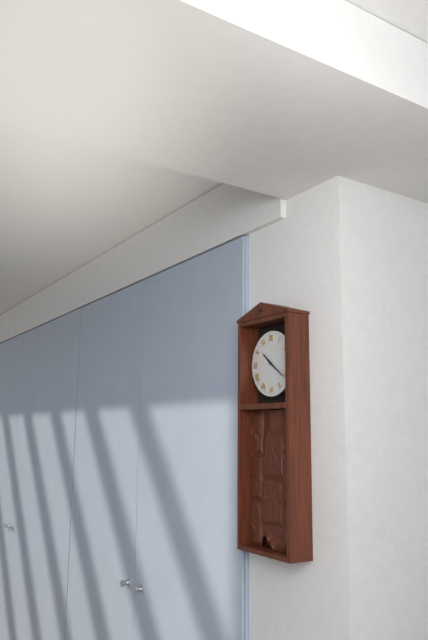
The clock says 10,21
